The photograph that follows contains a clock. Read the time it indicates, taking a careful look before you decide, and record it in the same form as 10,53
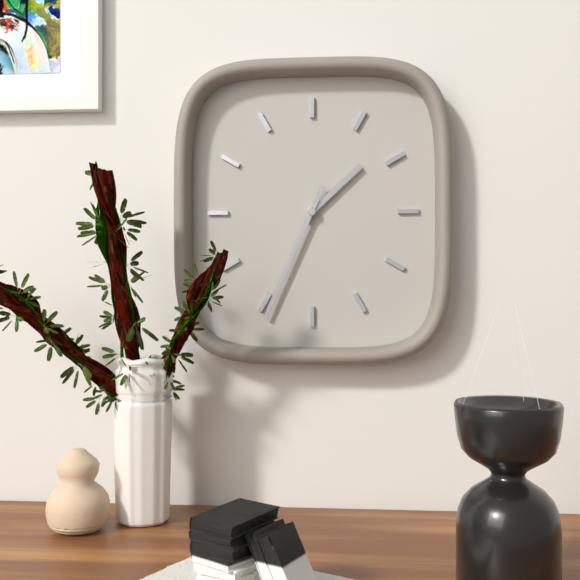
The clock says 1,34
